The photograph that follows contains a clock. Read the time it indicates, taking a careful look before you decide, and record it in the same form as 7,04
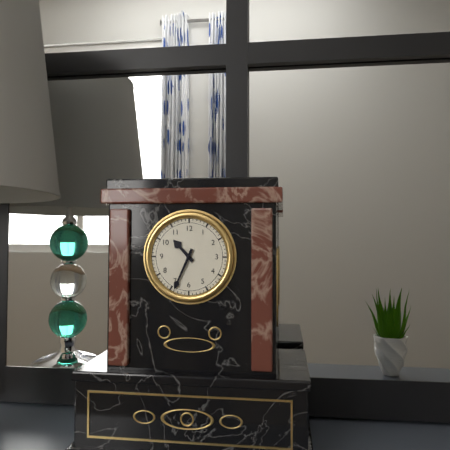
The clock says 10,34
